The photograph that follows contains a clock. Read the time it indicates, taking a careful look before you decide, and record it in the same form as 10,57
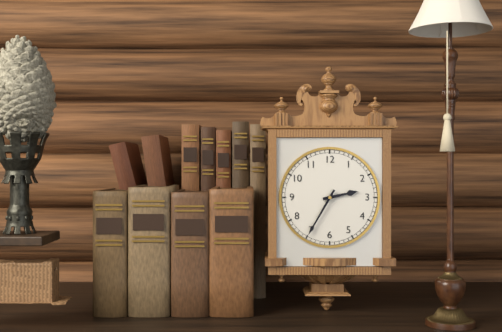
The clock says 2,35
